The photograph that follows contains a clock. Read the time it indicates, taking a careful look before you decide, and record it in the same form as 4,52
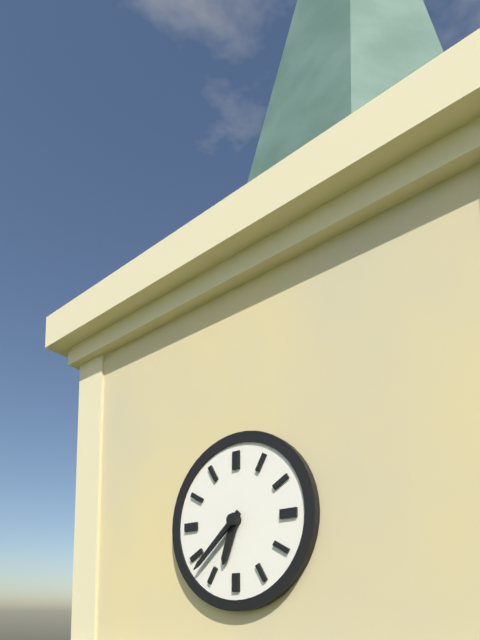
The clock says 6,38
